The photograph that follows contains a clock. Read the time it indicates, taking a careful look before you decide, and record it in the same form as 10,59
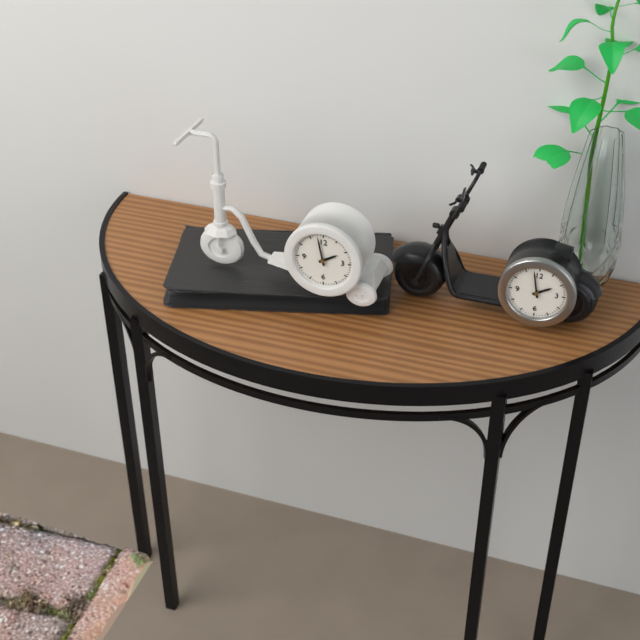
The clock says 1,58
